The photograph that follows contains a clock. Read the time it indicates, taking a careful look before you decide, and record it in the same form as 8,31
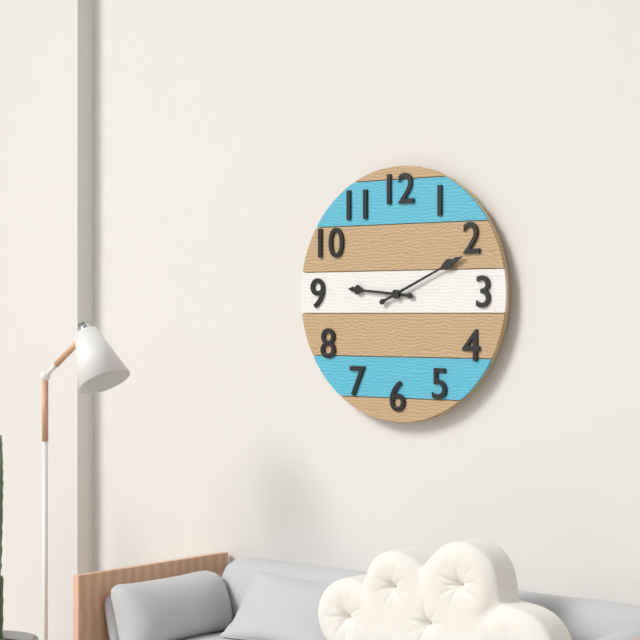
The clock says 9,11
